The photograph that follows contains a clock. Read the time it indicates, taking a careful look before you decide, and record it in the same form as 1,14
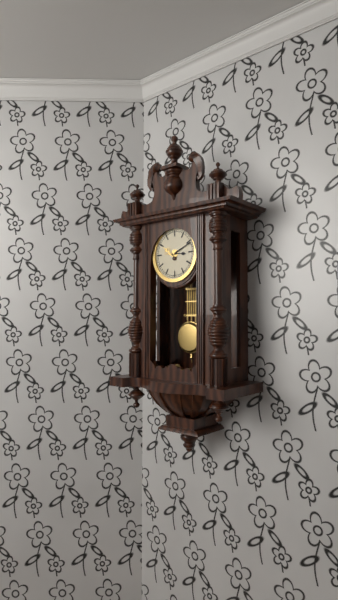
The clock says 3,11
